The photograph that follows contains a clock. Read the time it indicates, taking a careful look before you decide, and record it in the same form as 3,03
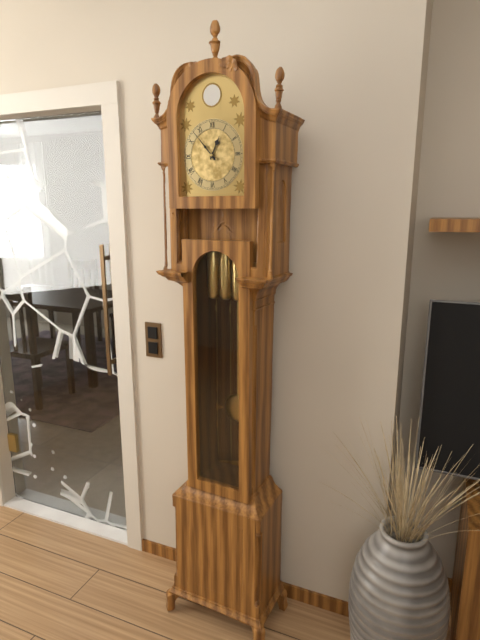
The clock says 12,53
